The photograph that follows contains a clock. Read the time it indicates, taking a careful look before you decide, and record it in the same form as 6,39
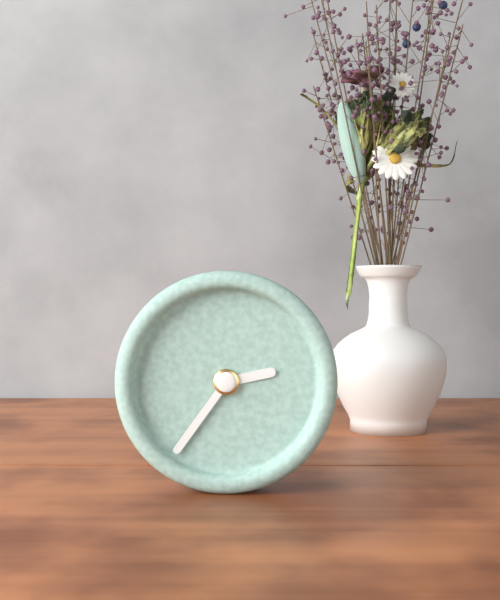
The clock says 2,36
